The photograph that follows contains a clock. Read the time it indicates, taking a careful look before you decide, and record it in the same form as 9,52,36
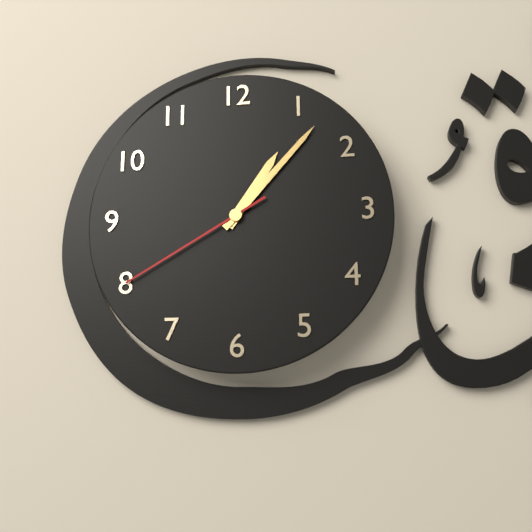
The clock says 1,07,40
